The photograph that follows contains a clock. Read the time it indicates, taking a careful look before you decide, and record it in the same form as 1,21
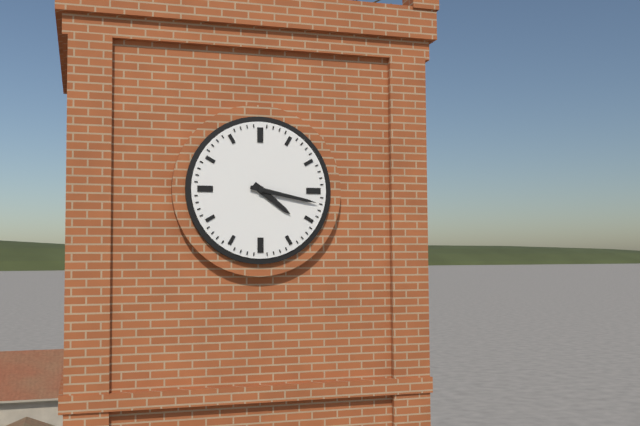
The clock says 4,17
